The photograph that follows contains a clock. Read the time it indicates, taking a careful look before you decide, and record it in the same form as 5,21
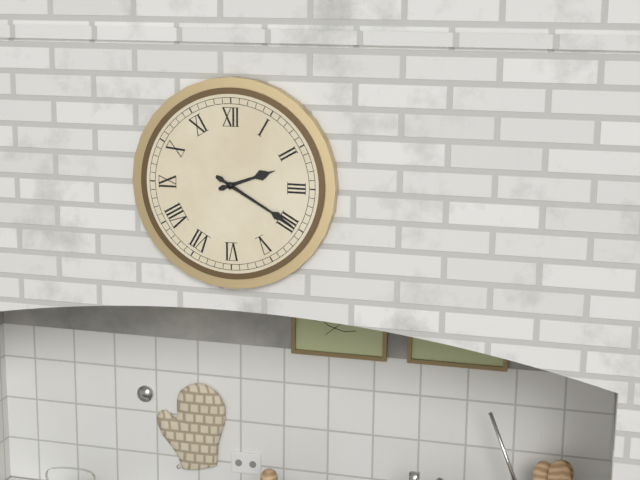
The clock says 2,20
